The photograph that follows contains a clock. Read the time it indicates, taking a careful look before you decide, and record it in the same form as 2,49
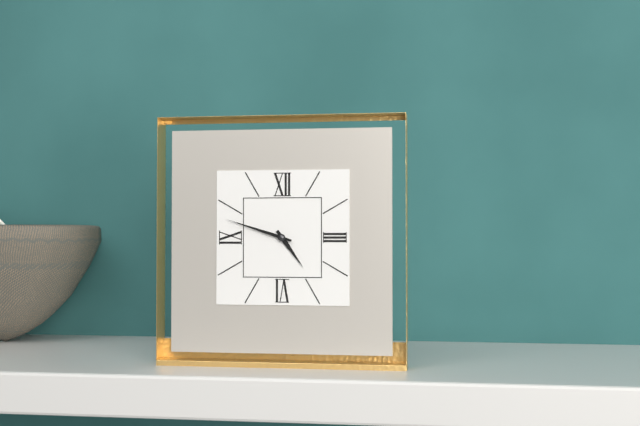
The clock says 4,48
